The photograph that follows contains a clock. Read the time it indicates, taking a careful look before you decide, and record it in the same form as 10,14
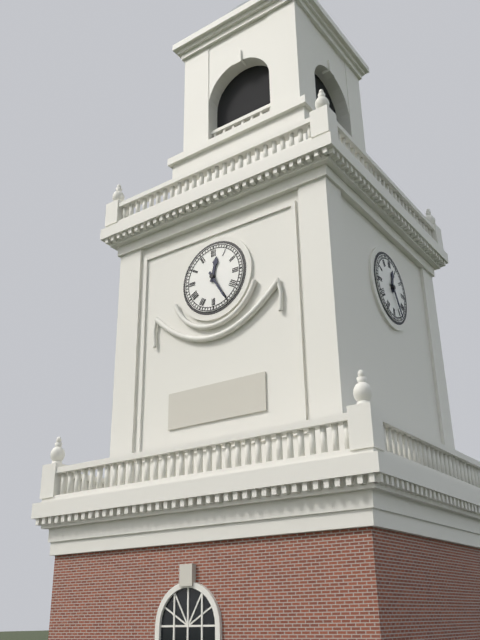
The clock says 12,25
